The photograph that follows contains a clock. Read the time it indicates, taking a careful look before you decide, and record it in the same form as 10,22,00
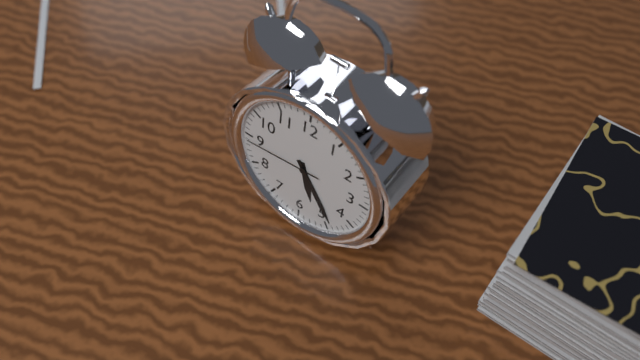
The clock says 5,24,44
